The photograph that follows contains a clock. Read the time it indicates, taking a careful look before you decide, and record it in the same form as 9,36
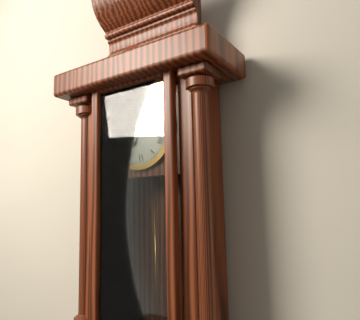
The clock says 6,57
